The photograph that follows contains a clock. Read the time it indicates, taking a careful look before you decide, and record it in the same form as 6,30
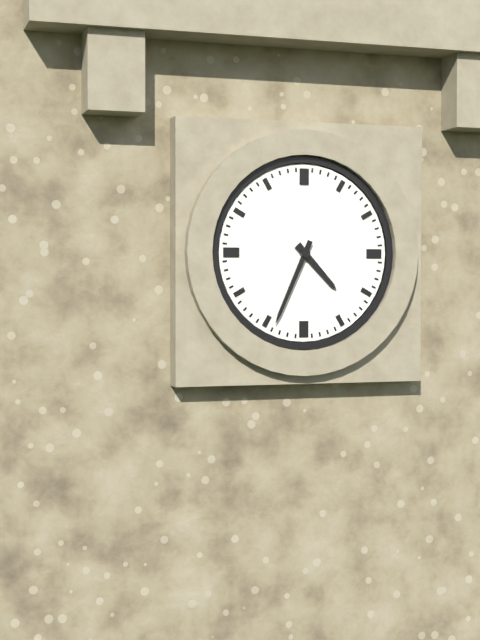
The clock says 4,34
